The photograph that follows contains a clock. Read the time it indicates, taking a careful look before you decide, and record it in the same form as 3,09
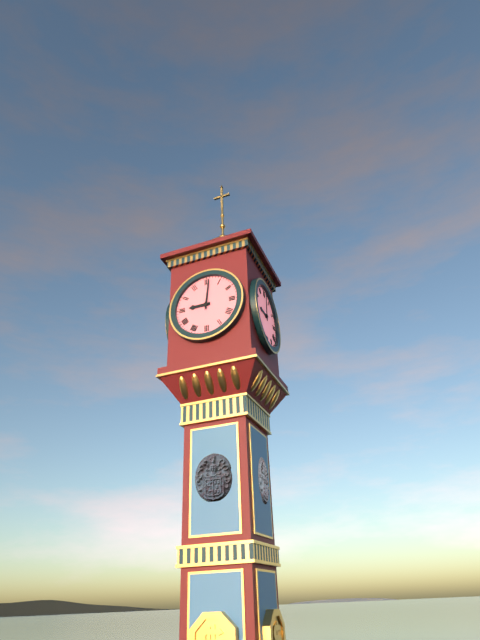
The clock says 9,01
